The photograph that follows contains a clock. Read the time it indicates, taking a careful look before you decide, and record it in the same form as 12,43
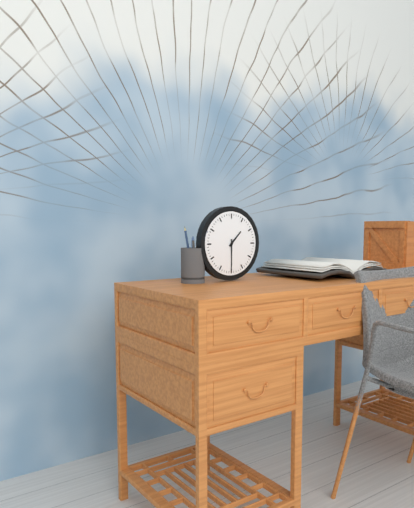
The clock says 1,30
